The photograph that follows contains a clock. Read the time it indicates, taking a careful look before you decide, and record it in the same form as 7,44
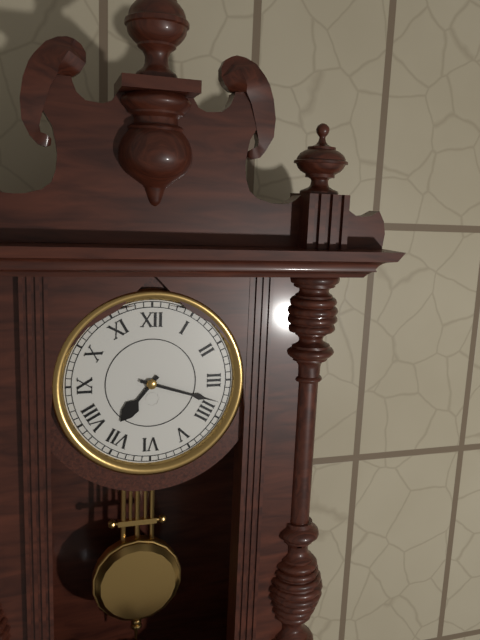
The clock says 7,18
